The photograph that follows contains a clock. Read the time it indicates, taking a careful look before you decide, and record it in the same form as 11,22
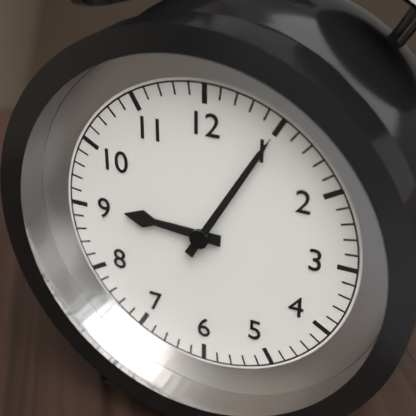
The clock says 9,05
